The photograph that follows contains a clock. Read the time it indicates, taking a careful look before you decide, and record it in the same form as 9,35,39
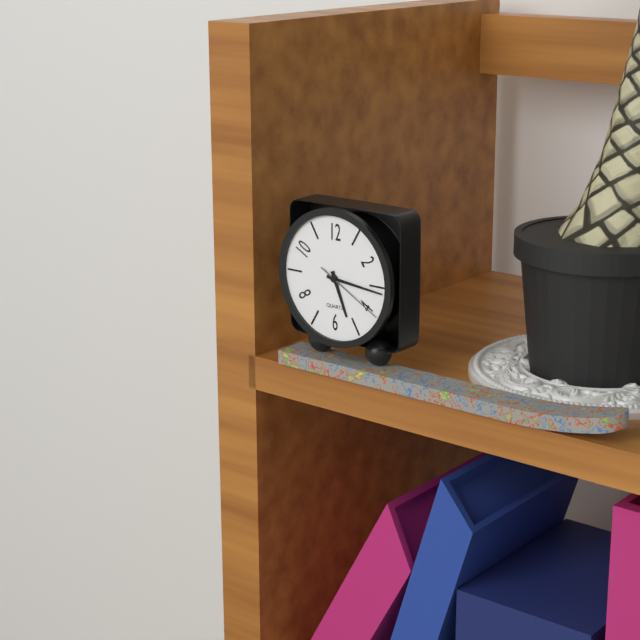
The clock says 5,16,20
